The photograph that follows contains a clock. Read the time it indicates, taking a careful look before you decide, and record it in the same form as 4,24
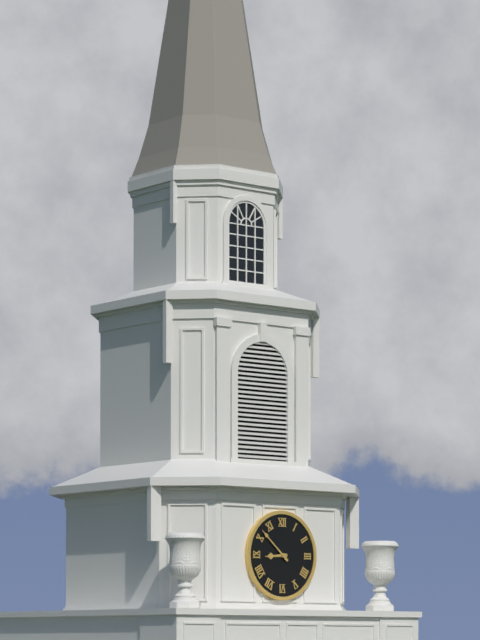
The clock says 8,52
